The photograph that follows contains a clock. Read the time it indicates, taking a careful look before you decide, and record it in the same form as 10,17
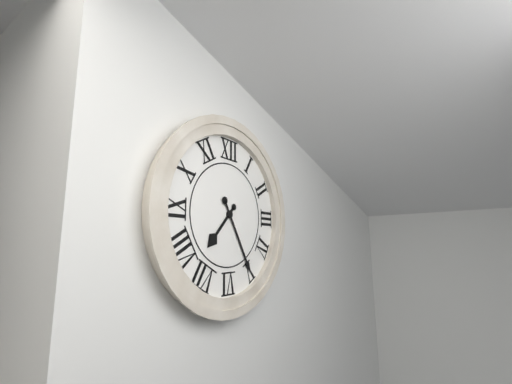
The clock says 7,25
